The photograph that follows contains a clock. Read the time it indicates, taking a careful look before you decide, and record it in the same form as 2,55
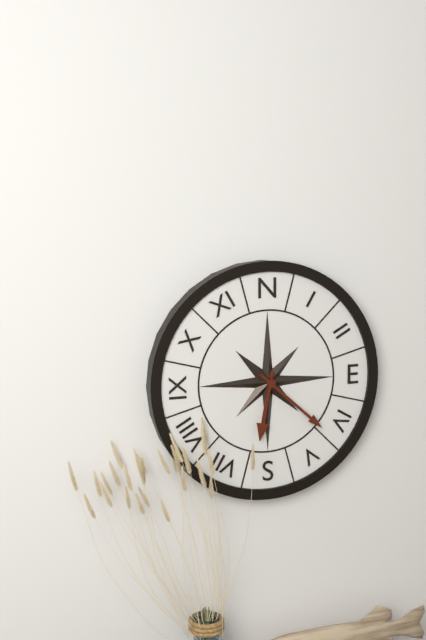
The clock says 6,22
